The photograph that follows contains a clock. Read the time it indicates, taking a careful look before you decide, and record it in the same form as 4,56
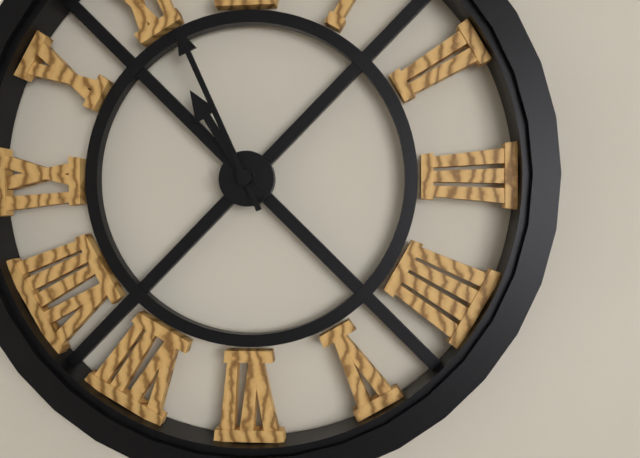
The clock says 10,56
